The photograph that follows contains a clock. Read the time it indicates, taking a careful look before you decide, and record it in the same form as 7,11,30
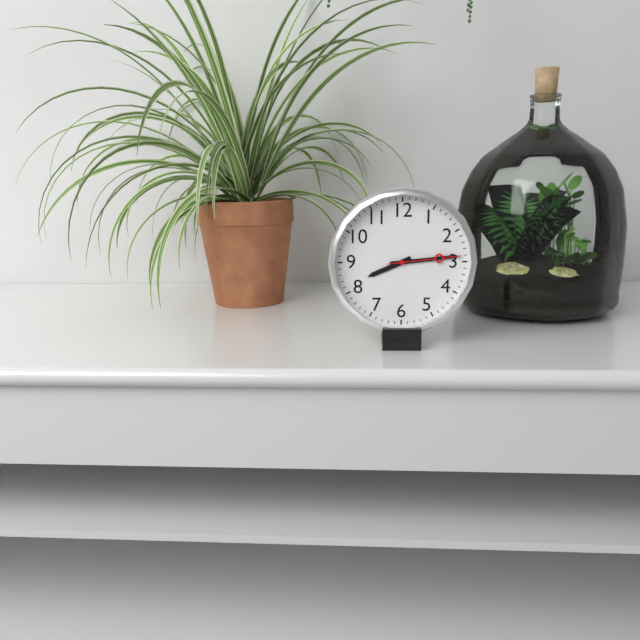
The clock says 8,14,14
